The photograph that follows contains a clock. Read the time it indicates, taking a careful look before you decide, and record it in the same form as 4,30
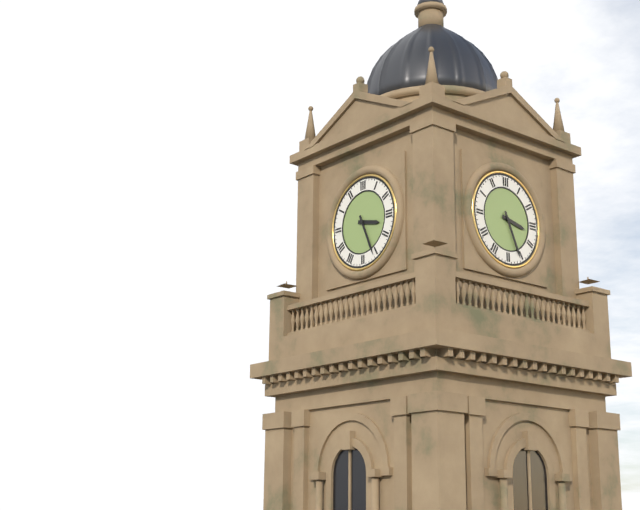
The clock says 3,26
